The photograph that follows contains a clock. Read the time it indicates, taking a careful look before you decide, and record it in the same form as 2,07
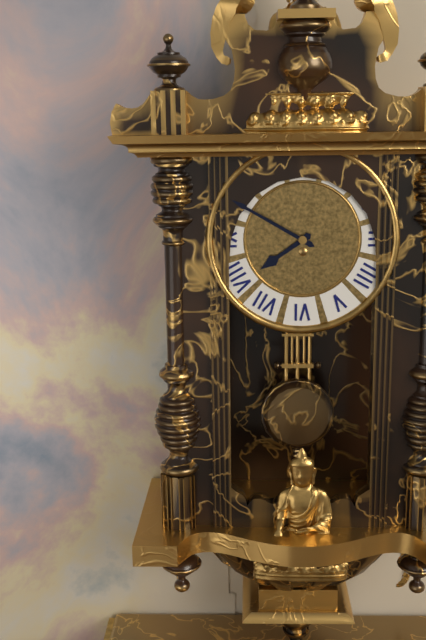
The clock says 7,50
